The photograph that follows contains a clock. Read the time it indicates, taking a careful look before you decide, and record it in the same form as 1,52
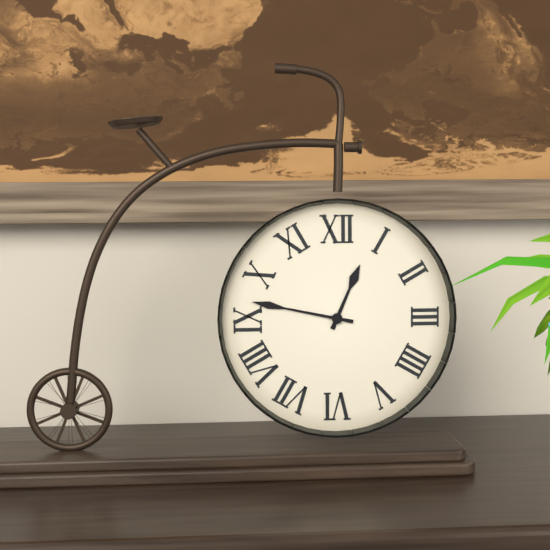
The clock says 12,47
